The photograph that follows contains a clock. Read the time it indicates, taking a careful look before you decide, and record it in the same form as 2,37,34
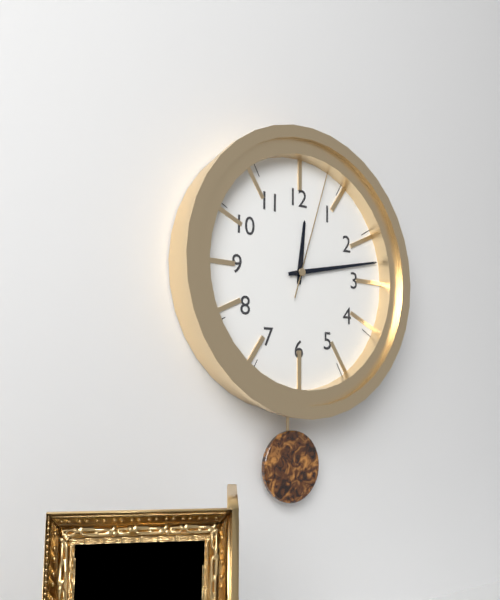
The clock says 12,13,03
